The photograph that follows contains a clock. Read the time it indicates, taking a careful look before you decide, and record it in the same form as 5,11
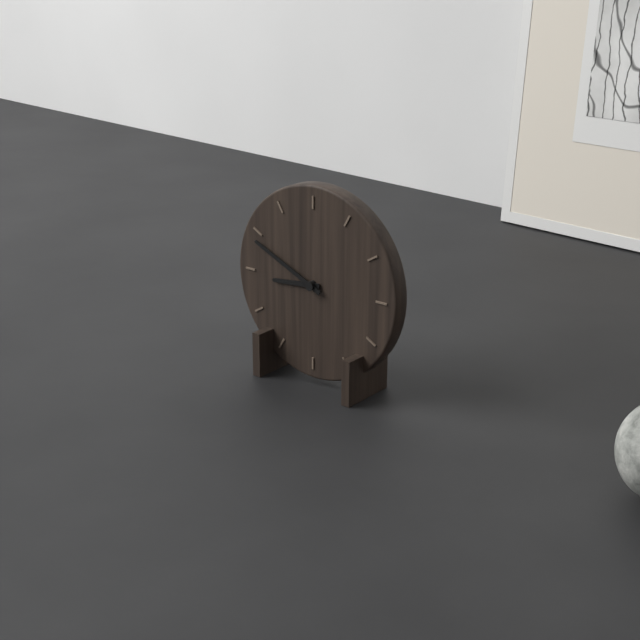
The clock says 8,49
